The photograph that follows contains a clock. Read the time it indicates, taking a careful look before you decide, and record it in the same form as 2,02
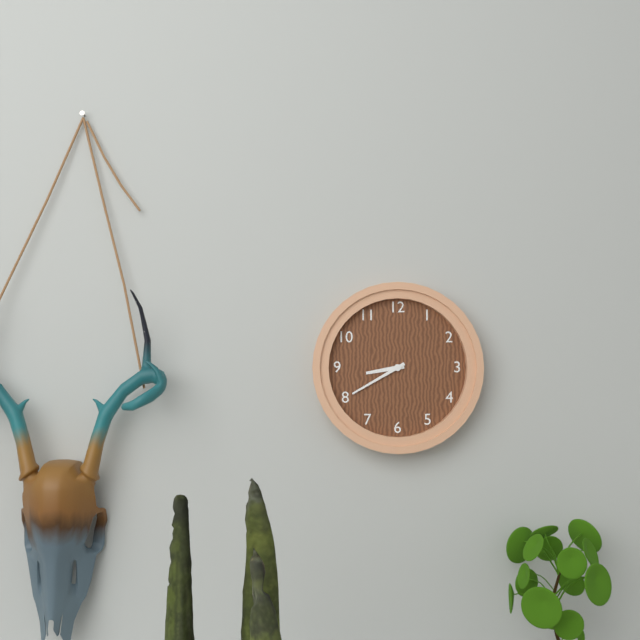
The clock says 8,40
